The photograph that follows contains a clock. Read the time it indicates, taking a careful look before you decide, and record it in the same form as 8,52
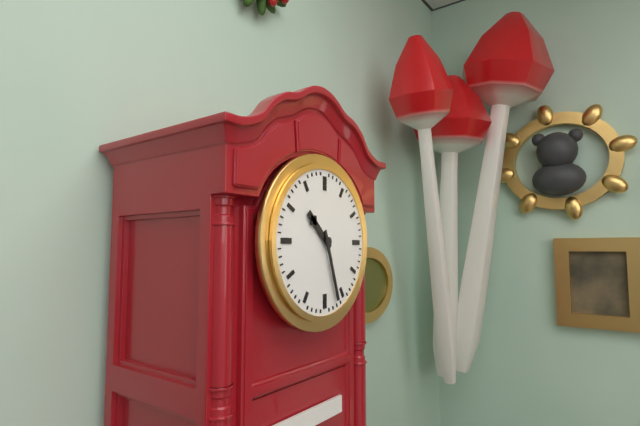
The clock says 10,27
